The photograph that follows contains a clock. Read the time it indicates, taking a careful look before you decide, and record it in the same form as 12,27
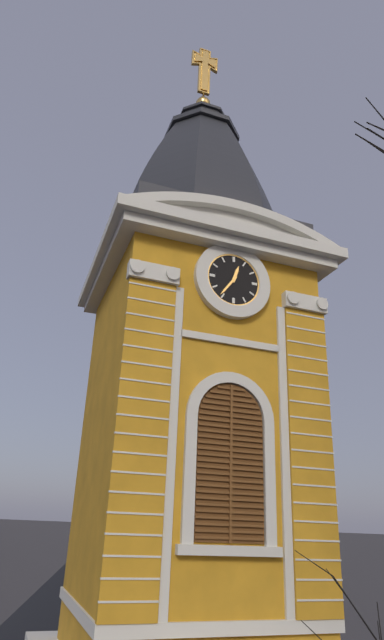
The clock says 12,36
